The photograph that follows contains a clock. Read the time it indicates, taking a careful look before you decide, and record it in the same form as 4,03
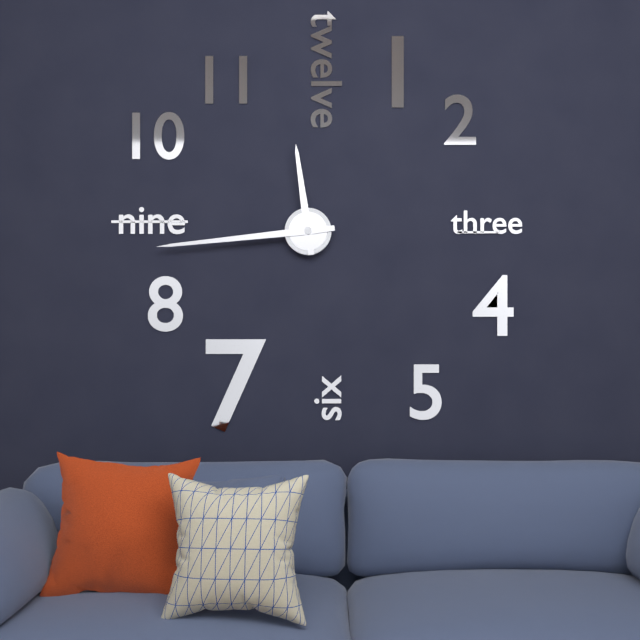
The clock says 11,44
